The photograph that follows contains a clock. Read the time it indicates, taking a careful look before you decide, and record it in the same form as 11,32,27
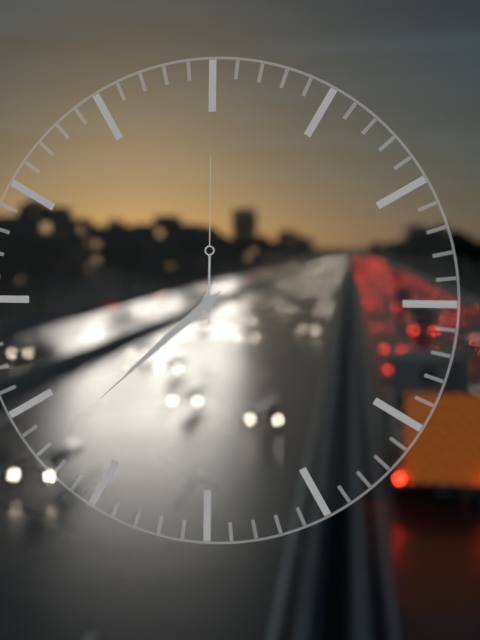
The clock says 7,38,00
